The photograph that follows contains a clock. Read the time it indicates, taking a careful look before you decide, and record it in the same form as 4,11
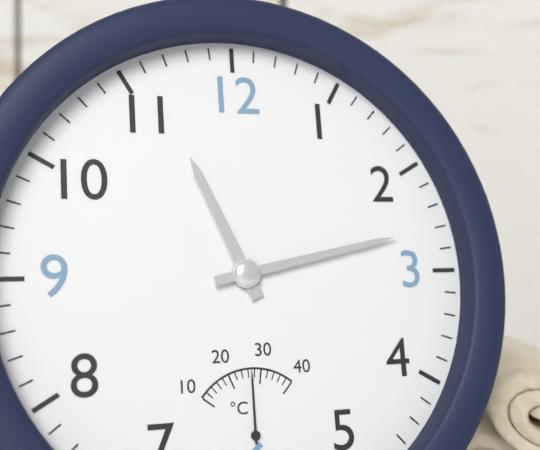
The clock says 11,13
